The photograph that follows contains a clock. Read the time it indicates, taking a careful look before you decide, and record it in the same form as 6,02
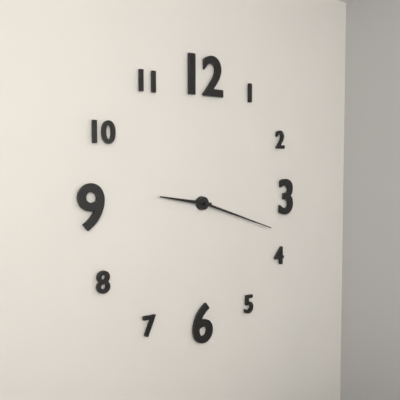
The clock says 9,18
